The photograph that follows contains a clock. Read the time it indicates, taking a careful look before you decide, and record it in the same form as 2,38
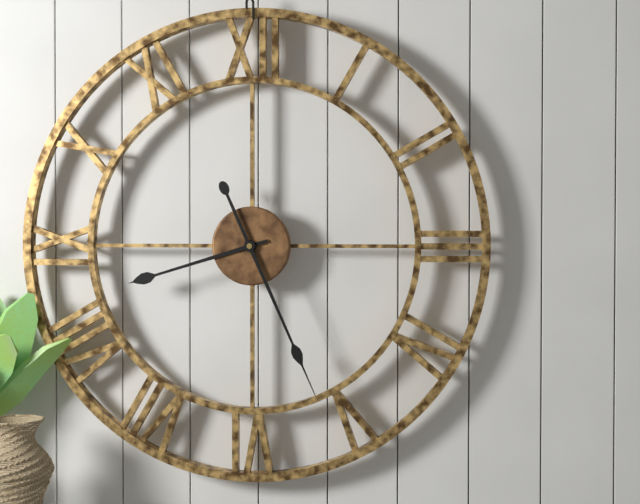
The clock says 8,26
